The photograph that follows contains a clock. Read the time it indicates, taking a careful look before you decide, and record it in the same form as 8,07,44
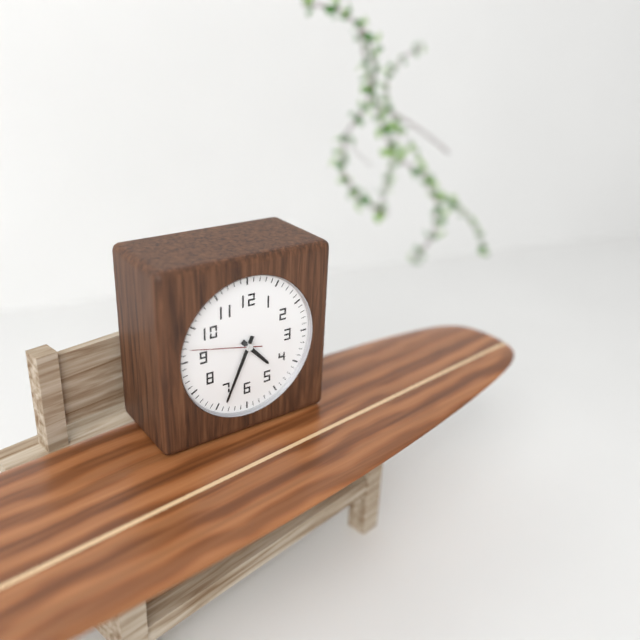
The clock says 4,34,47
